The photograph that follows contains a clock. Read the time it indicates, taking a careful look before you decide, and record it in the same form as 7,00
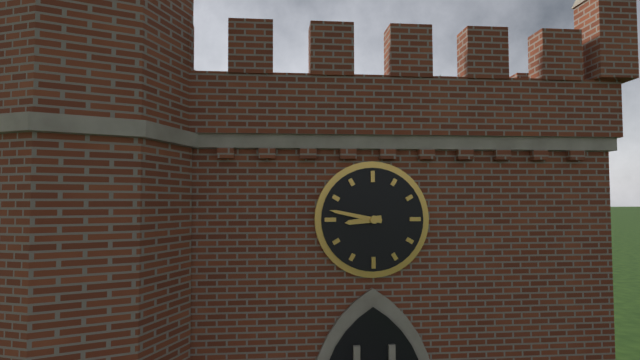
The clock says 8,47
